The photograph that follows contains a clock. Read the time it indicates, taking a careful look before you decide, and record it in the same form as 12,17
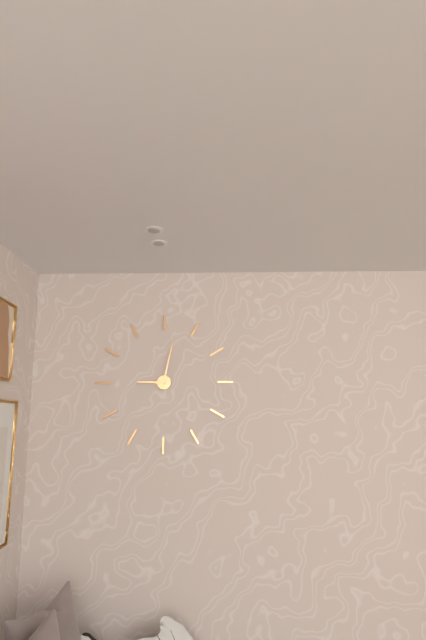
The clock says 9,02
